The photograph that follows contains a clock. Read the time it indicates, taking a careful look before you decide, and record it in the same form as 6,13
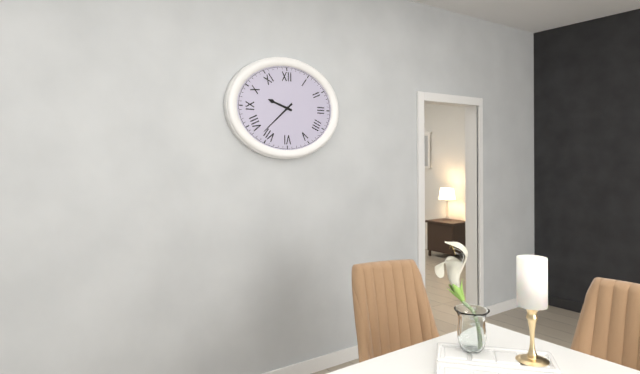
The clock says 9,38
